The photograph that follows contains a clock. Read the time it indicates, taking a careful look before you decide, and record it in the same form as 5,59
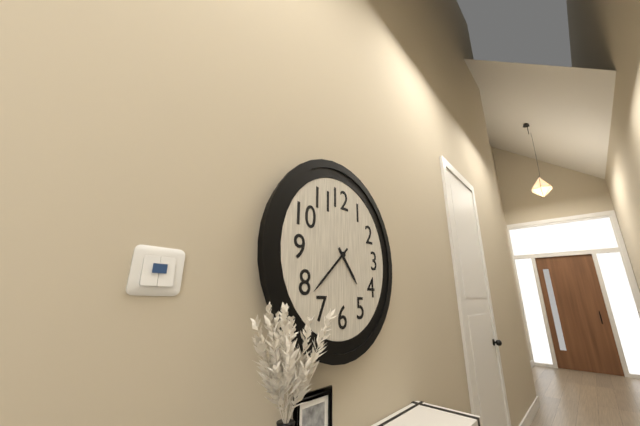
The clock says 4,38
